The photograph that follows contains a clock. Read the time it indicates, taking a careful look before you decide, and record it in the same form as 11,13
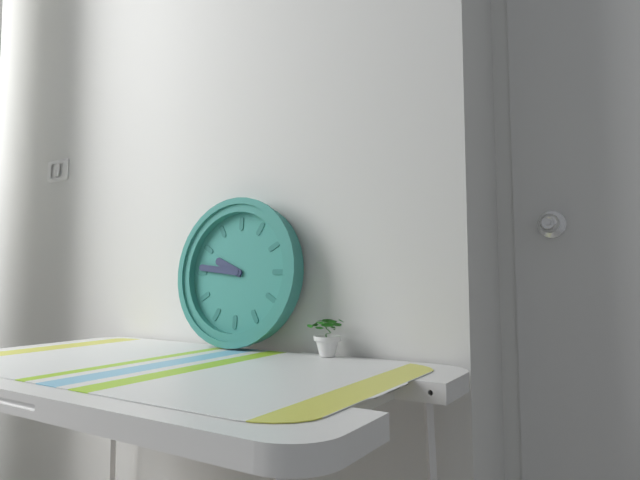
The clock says 9,46
